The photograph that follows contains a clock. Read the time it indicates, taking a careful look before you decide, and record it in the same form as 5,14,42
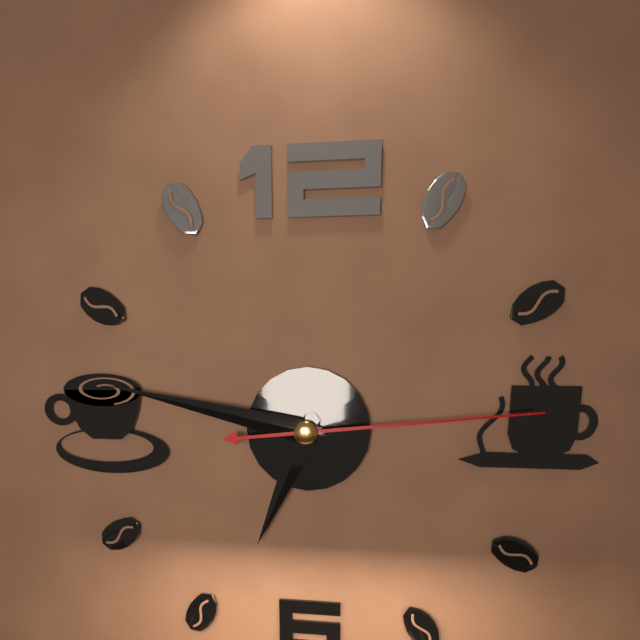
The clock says 6,47,14
